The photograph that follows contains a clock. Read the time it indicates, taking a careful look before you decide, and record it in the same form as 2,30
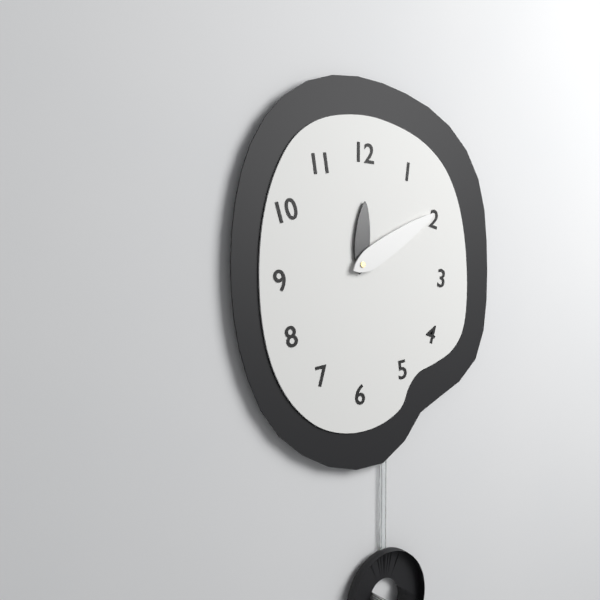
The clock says 12,10
